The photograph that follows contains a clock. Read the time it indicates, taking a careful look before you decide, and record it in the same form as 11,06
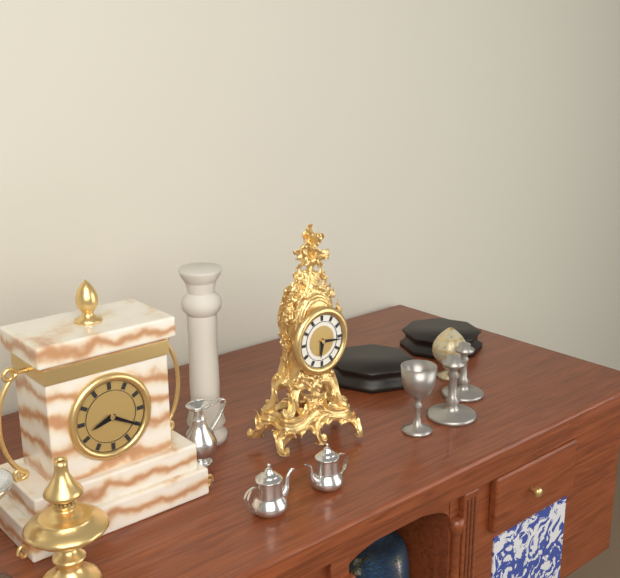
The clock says 6,16
